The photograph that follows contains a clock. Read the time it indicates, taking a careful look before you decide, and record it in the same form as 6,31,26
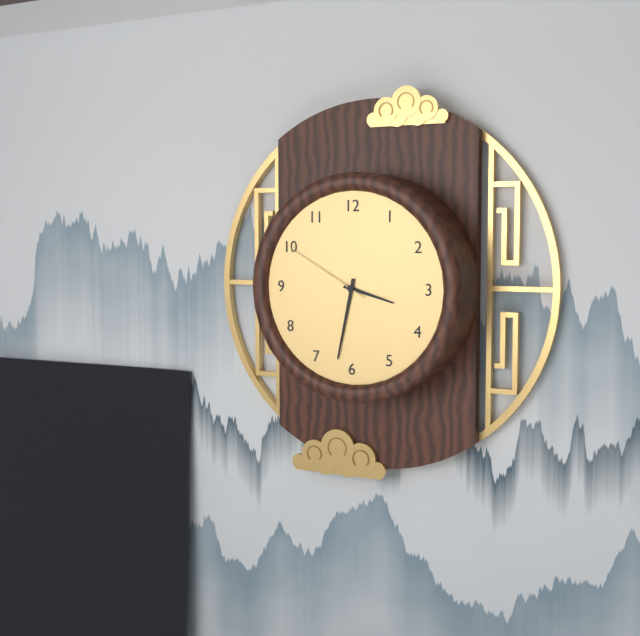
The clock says 3,32,50
